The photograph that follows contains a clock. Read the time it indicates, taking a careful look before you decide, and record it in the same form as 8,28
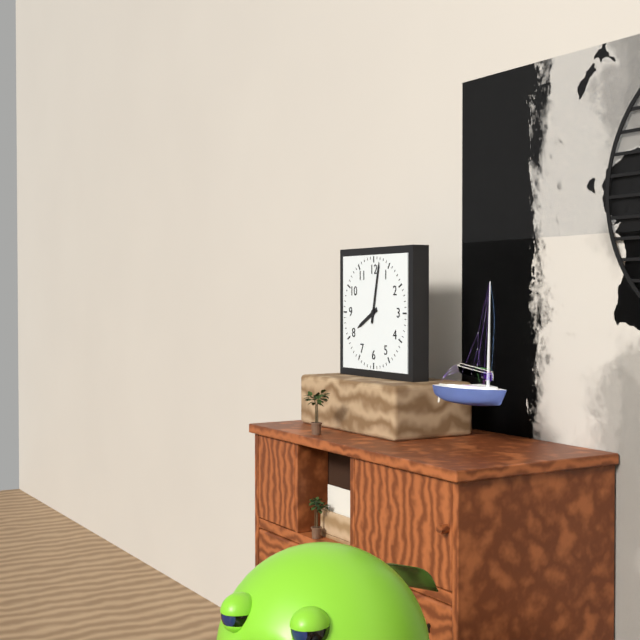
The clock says 8,02
